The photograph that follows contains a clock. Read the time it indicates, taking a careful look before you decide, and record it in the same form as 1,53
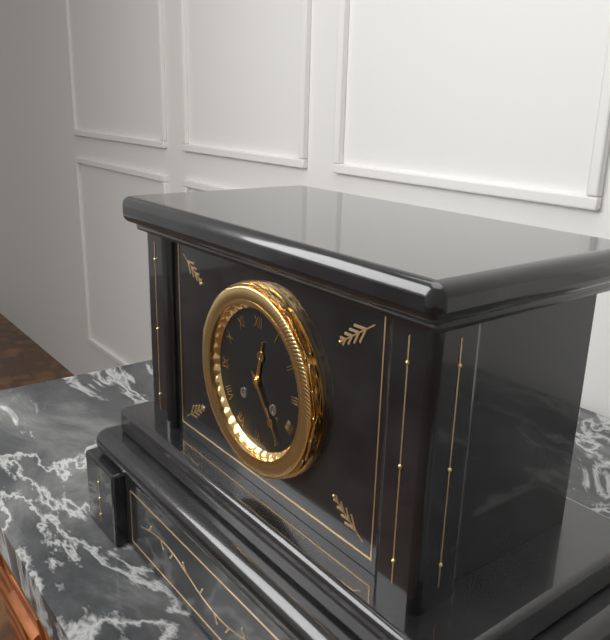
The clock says 12,24
